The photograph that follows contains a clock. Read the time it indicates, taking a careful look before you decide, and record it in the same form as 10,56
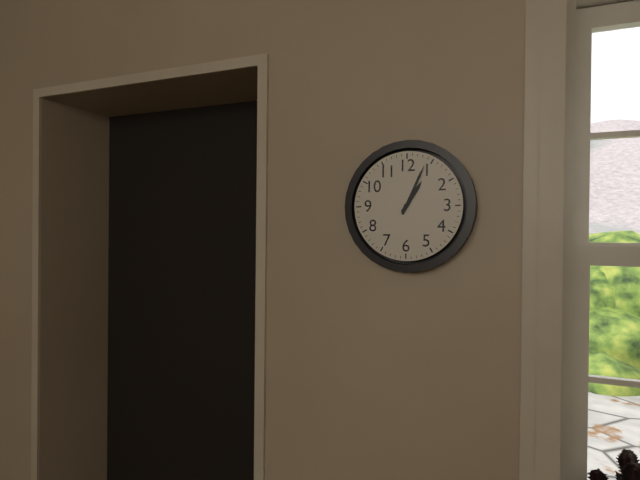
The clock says 1,04
